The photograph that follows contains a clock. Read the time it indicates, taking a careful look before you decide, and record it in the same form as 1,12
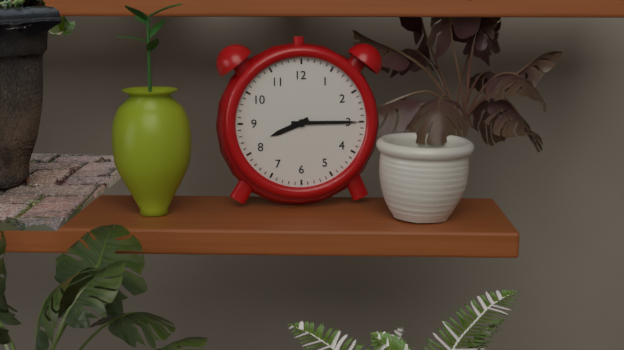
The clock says 8,15
